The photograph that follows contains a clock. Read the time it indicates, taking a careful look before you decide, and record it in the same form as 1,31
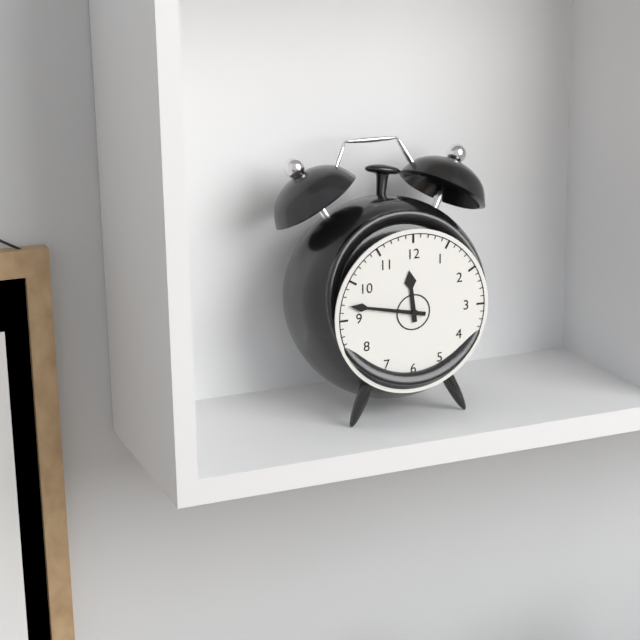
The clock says 11,47
